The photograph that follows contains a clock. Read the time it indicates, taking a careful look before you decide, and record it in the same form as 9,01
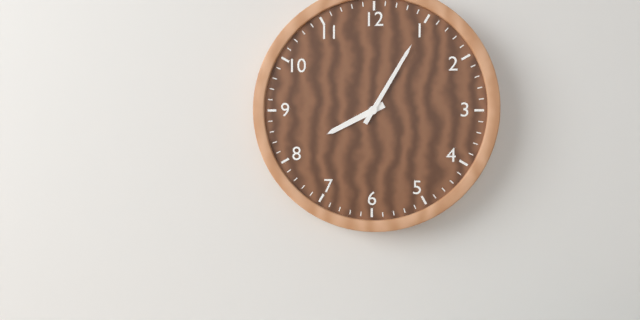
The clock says 8,05
